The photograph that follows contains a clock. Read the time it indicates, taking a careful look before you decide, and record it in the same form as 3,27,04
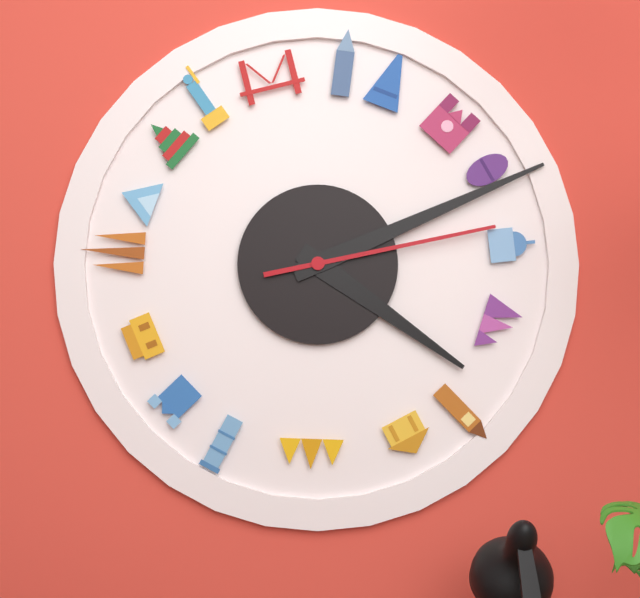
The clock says 4,11,13
